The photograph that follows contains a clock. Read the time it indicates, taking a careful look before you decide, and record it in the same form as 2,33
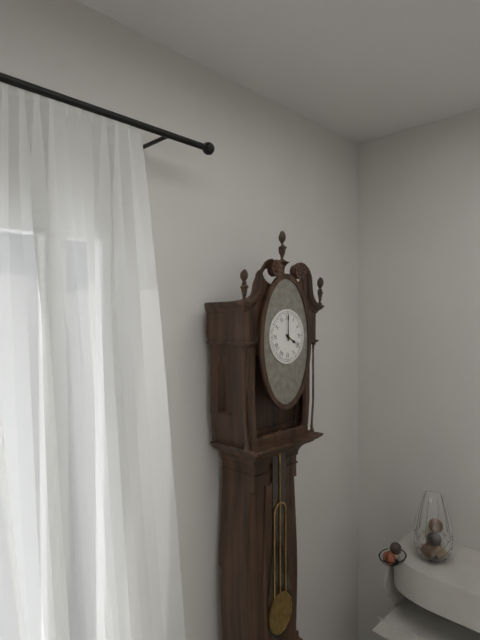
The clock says 4,00
